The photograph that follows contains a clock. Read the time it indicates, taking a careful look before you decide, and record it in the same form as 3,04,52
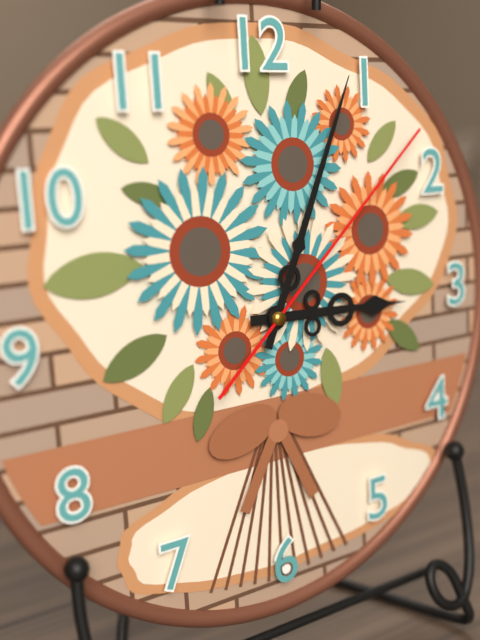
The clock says 3,04,08
